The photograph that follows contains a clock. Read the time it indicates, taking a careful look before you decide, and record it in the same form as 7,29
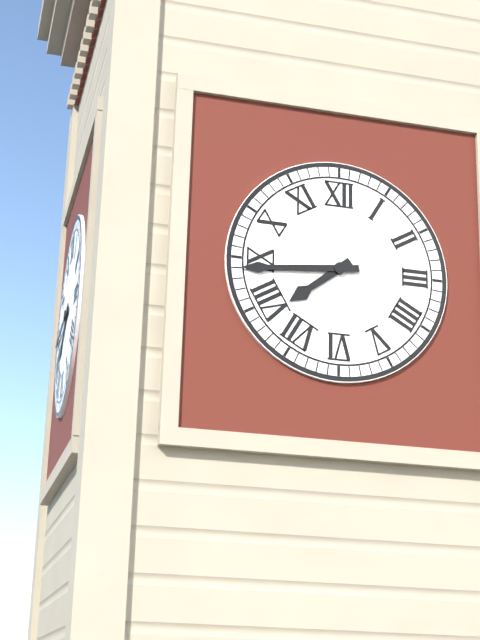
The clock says 7,44
